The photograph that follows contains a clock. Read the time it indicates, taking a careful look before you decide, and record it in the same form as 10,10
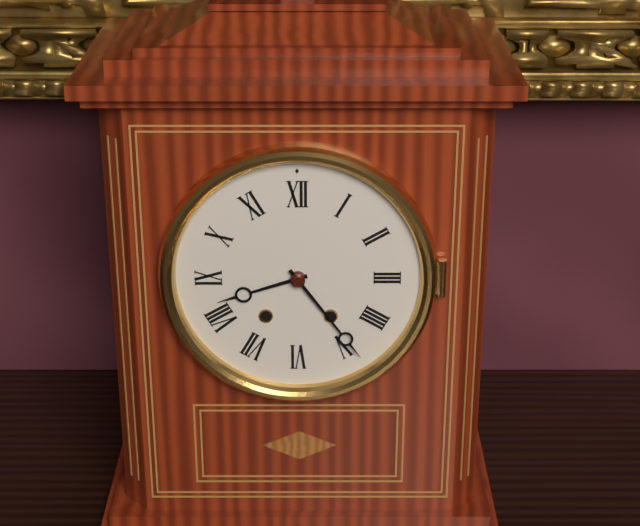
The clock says 8,24
